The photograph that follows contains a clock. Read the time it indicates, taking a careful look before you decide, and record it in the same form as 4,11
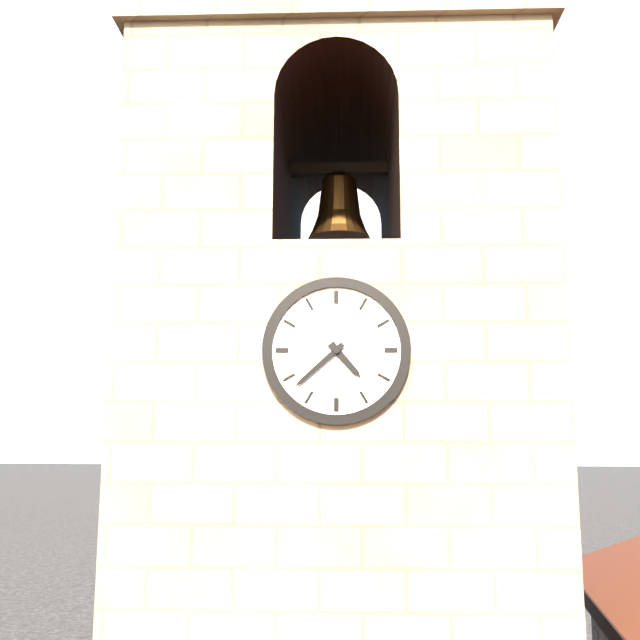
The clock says 4,38
